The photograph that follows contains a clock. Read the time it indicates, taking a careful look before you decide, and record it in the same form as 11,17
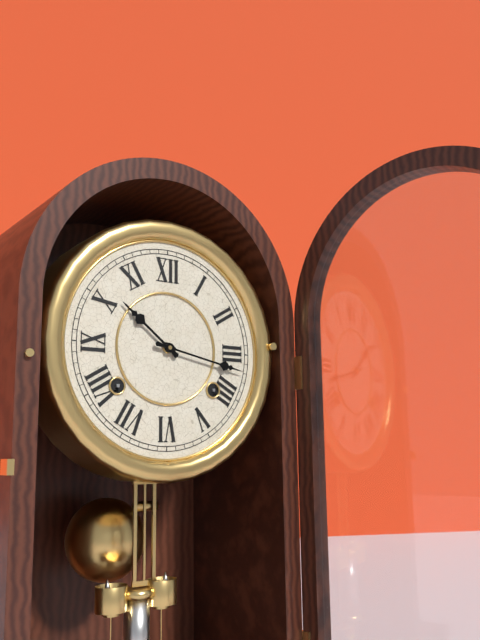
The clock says 10,17
